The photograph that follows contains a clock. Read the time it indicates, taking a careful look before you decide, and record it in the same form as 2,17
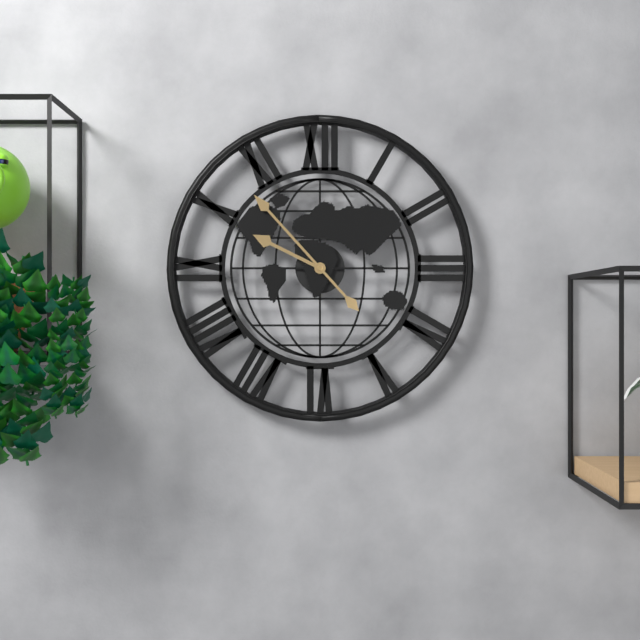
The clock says 9,53
